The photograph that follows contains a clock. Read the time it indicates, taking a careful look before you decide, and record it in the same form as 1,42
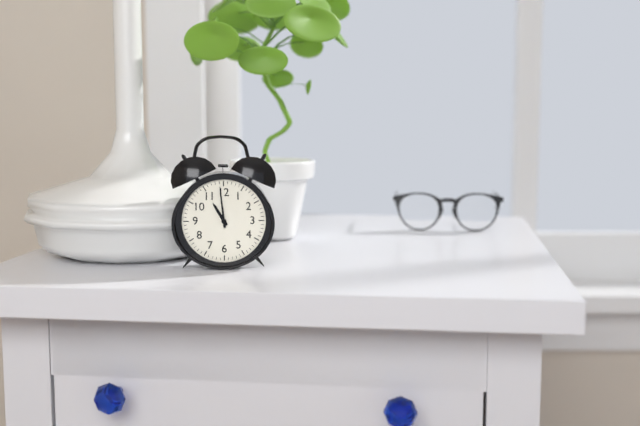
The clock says 10,59
